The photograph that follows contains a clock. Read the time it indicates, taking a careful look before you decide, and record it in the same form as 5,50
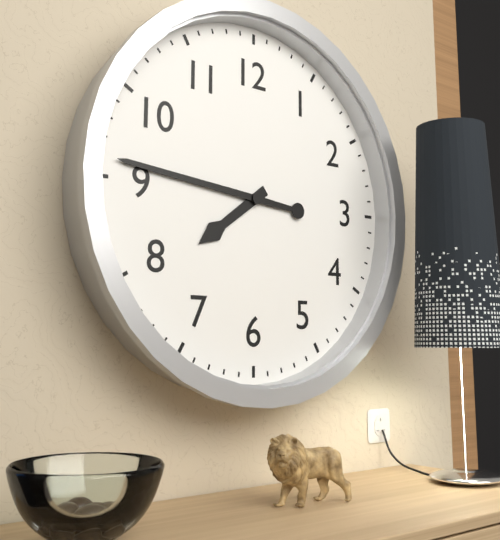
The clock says 7,46
